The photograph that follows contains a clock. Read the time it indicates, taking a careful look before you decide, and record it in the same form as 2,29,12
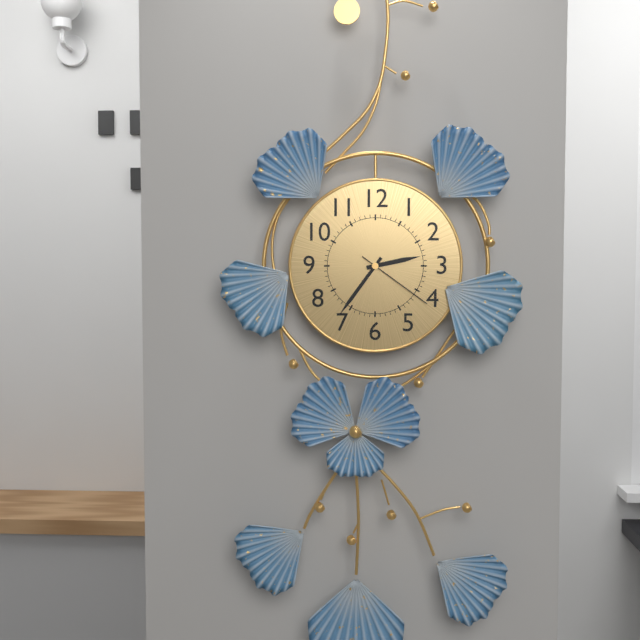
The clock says 2,36,21
